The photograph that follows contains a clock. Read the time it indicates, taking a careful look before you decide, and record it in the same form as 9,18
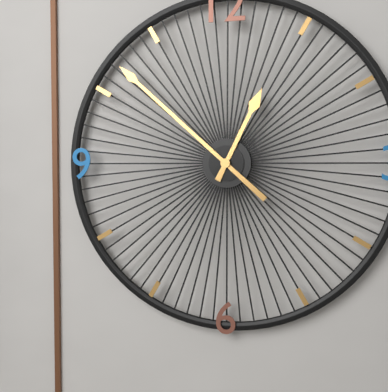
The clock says 12,52
